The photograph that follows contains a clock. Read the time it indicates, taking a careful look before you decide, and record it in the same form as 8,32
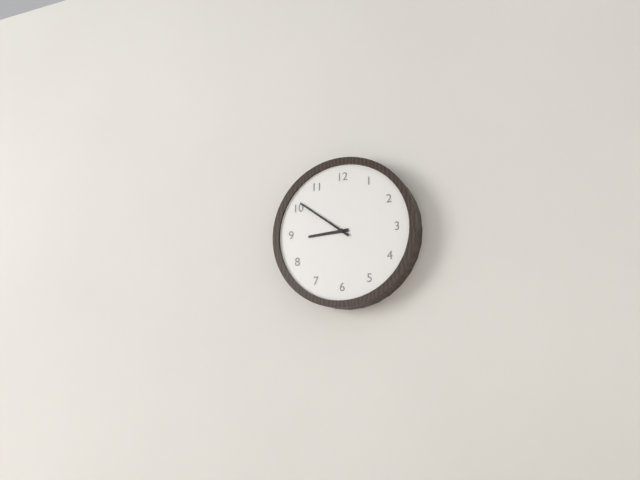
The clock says 8,51
